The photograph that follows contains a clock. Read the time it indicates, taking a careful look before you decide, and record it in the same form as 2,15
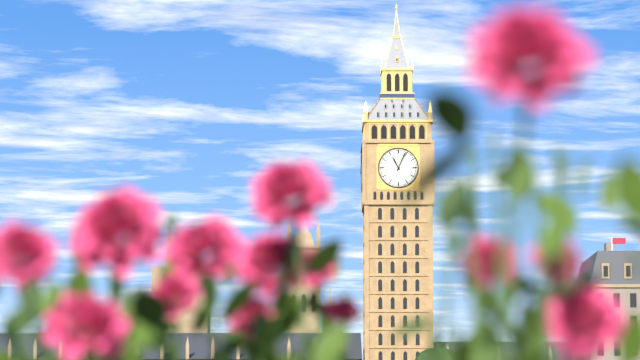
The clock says 11,04
